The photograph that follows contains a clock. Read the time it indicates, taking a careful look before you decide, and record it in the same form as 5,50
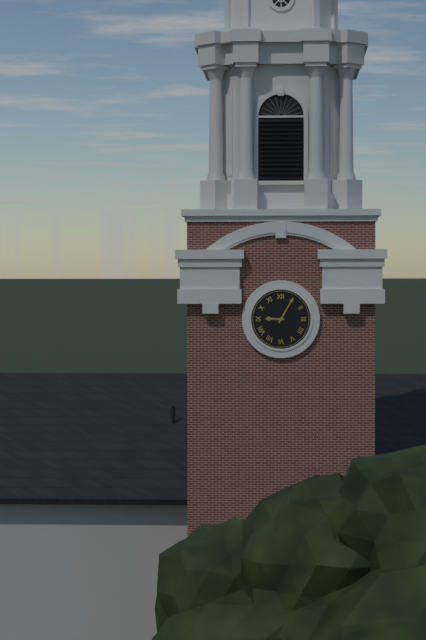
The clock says 9,05
